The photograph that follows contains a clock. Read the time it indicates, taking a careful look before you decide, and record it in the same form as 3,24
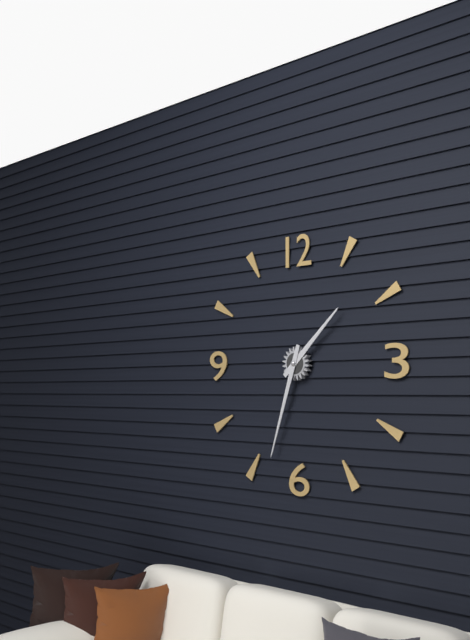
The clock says 1,33
